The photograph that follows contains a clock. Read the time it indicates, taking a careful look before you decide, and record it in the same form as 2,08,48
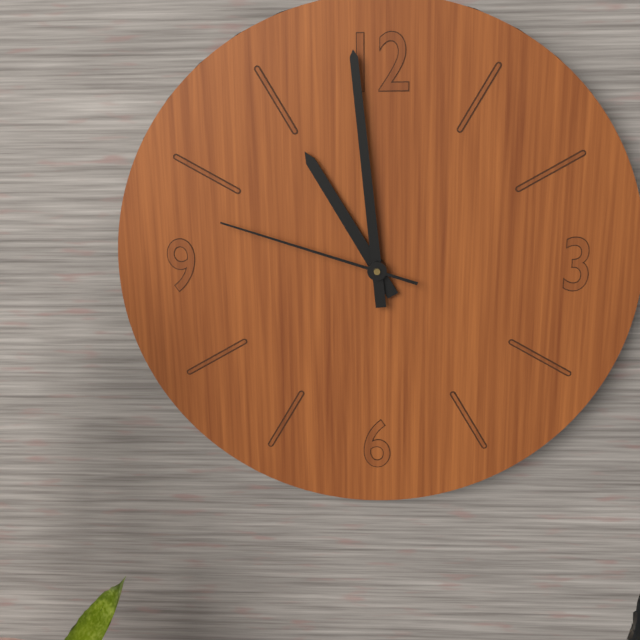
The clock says 10,59,48
